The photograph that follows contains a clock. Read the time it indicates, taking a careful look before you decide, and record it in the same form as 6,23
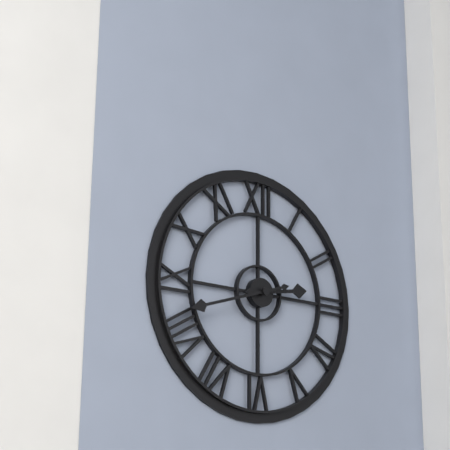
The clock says 2,42
